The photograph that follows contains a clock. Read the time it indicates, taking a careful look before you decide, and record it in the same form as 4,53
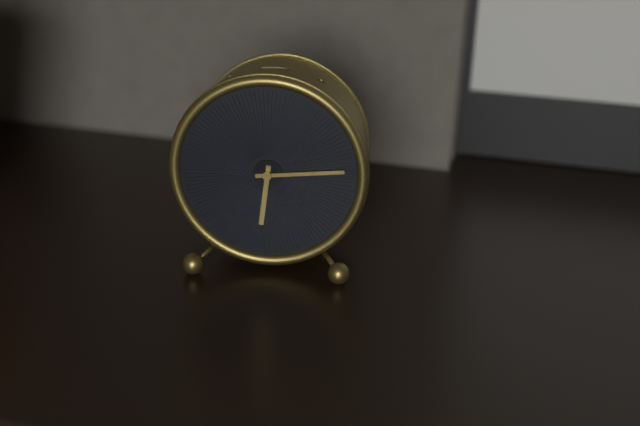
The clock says 6,14
